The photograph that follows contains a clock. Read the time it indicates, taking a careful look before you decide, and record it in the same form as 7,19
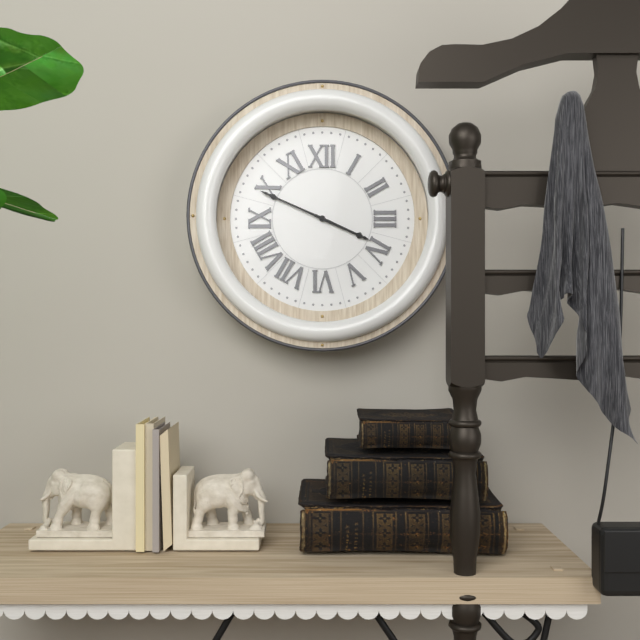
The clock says 3,49
